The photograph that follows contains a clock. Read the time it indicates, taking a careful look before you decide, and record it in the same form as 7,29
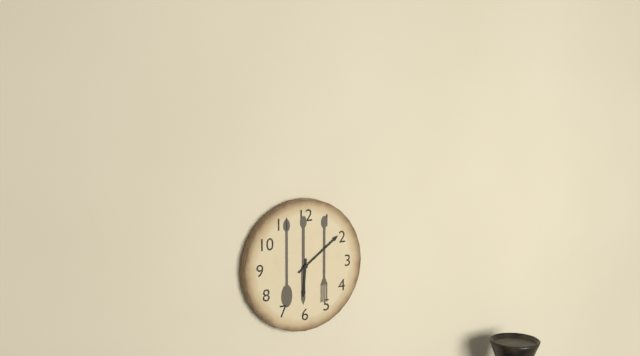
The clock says 6,09
